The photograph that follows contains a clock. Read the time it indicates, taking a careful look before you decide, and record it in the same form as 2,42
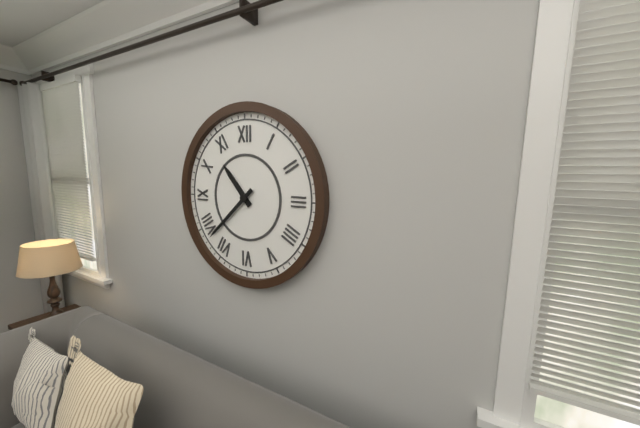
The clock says 10,38
